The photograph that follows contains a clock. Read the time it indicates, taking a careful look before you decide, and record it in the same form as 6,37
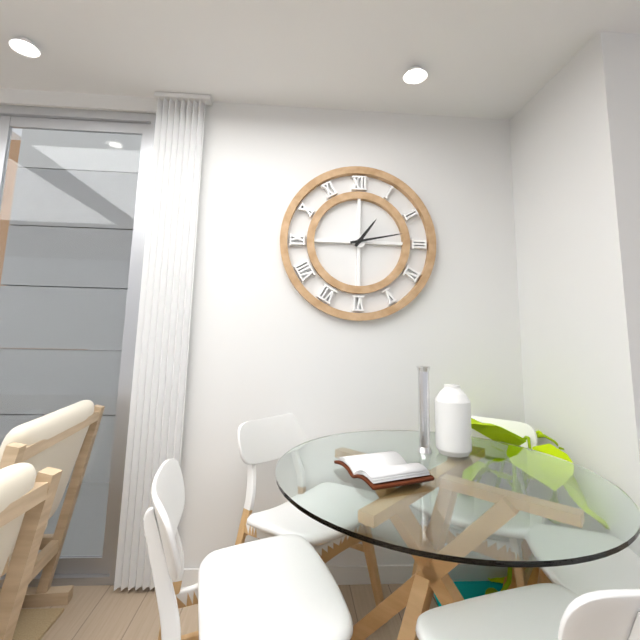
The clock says 1,13
